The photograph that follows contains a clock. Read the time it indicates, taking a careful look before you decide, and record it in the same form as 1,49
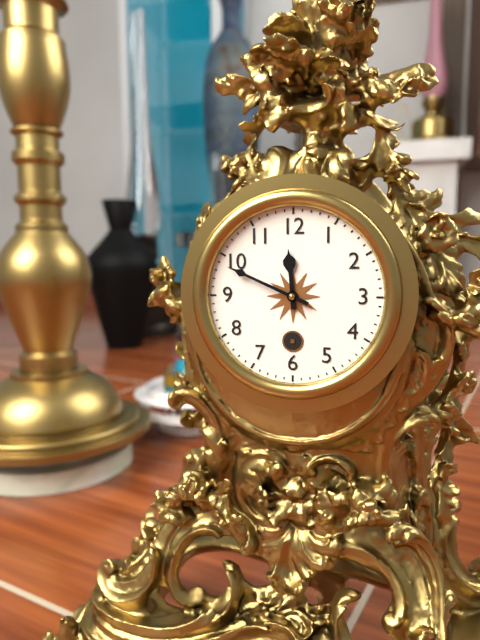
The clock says 11,49
